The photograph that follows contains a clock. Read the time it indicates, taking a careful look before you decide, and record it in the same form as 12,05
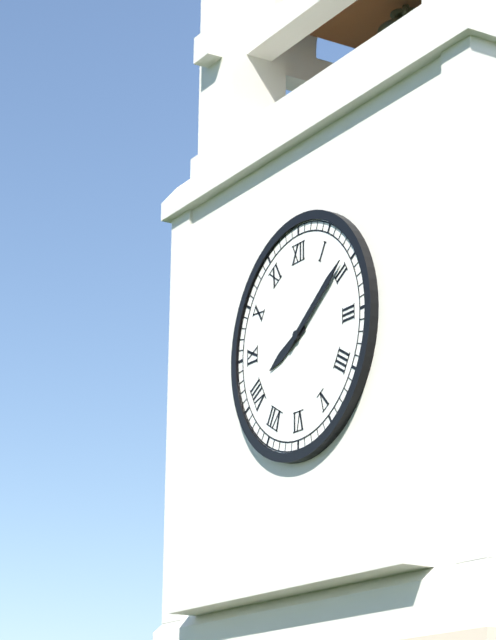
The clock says 8,09
